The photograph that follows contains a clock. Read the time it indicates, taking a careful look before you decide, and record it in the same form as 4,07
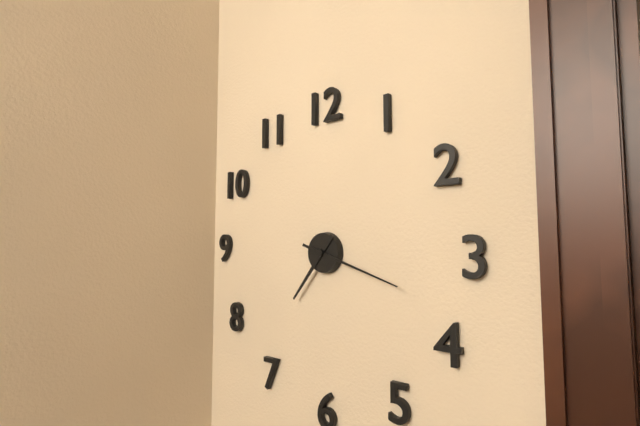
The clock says 7,18
